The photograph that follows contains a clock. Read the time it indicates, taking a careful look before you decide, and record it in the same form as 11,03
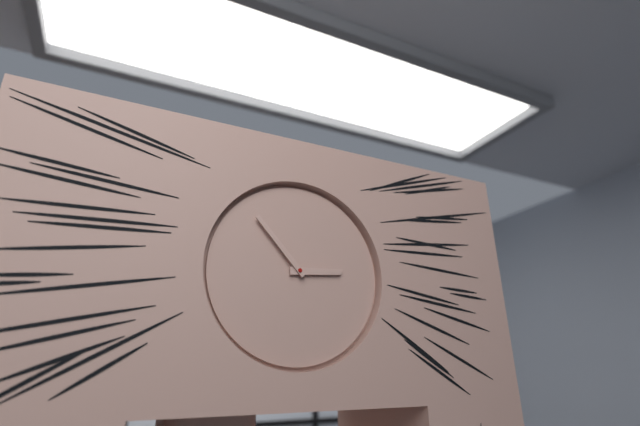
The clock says 2,53
